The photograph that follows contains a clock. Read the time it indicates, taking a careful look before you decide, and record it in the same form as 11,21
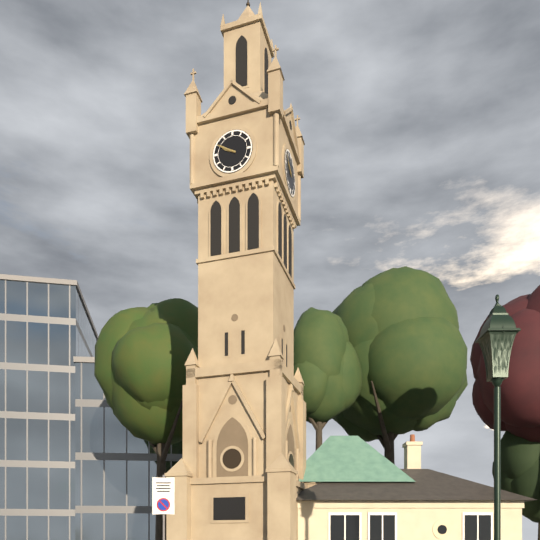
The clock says 9,50
